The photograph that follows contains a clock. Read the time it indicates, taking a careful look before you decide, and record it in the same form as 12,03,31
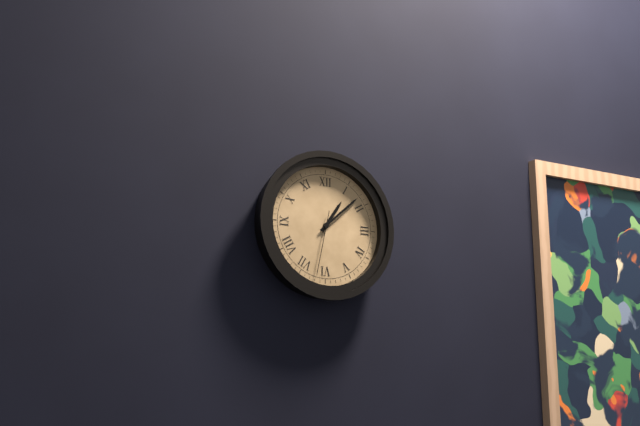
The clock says 1,08,32
